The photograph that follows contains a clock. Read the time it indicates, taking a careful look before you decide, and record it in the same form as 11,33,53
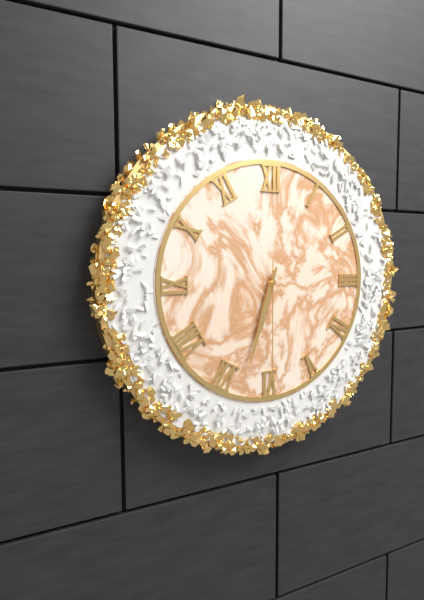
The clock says 6,33,30
